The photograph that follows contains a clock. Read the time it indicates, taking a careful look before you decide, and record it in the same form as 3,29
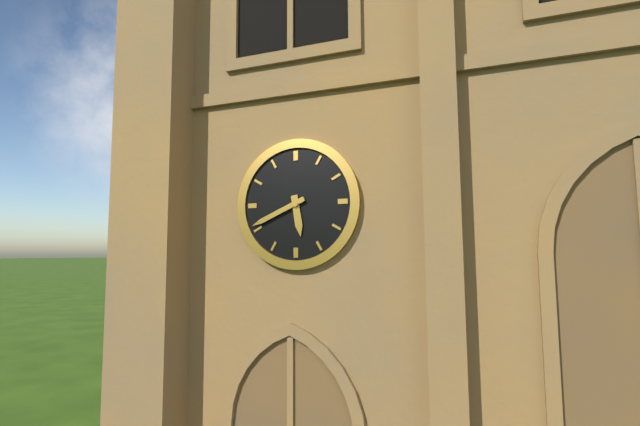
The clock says 5,41
